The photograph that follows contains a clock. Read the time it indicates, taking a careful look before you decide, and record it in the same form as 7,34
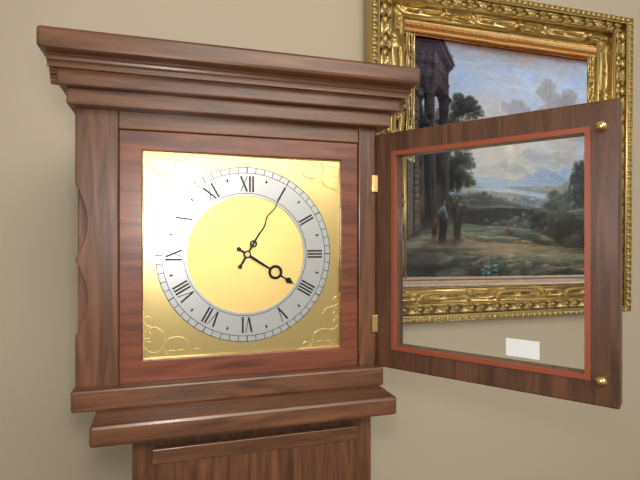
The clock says 4,05
